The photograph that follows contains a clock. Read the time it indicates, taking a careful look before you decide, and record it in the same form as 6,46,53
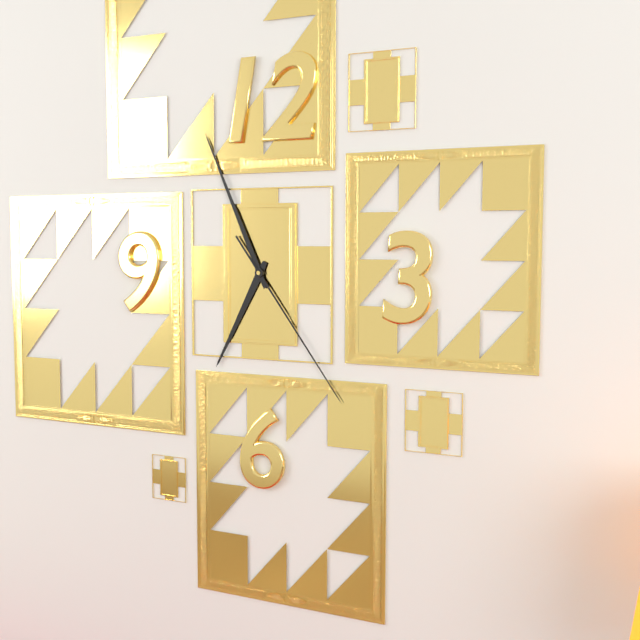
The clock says 6,56,24
